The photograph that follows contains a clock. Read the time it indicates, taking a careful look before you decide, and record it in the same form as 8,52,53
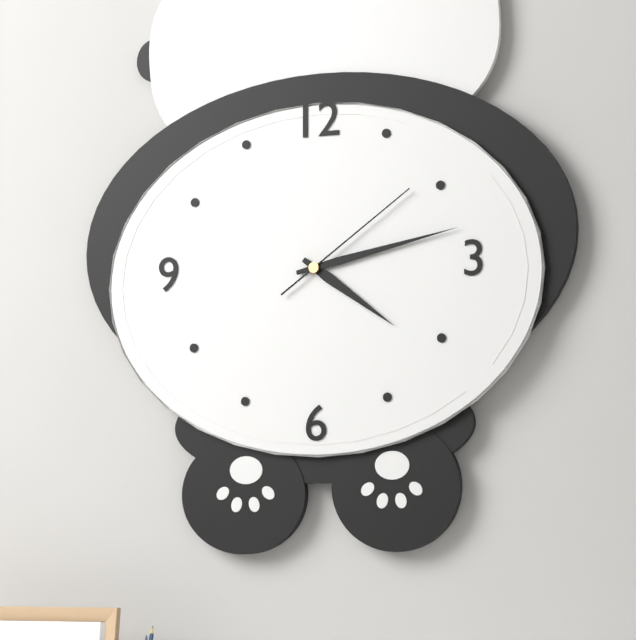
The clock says 4,13,09
